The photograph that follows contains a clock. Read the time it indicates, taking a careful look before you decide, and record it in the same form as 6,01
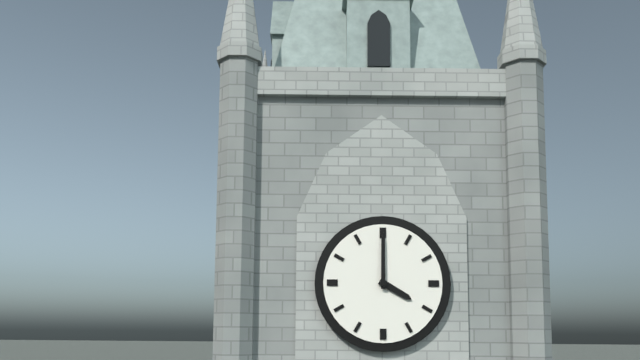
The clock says 4,00
